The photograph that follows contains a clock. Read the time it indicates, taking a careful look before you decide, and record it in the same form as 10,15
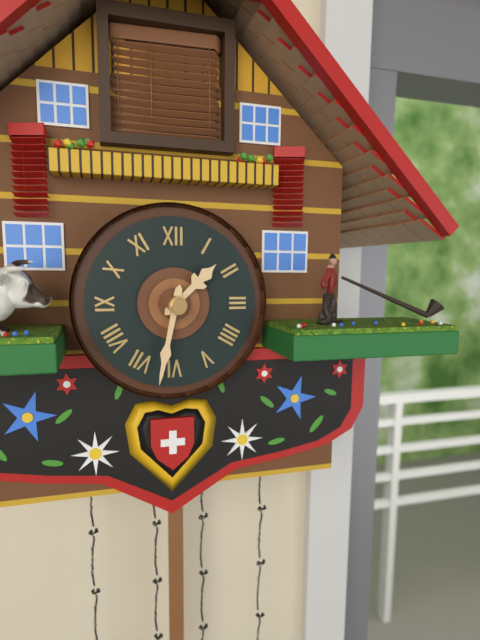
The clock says 1,32
